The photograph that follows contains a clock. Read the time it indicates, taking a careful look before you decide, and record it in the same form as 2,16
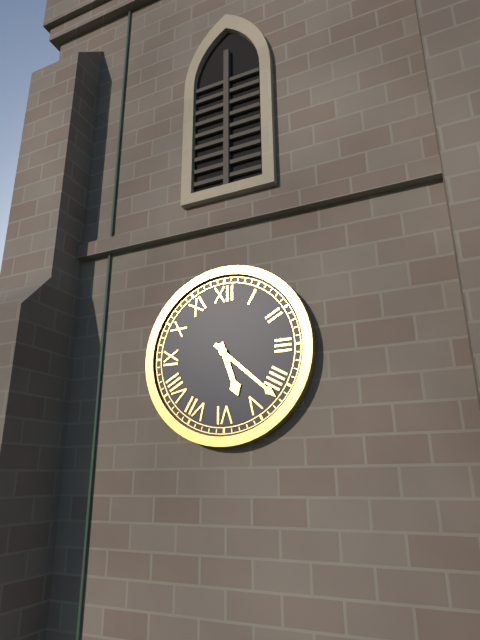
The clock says 5,22
